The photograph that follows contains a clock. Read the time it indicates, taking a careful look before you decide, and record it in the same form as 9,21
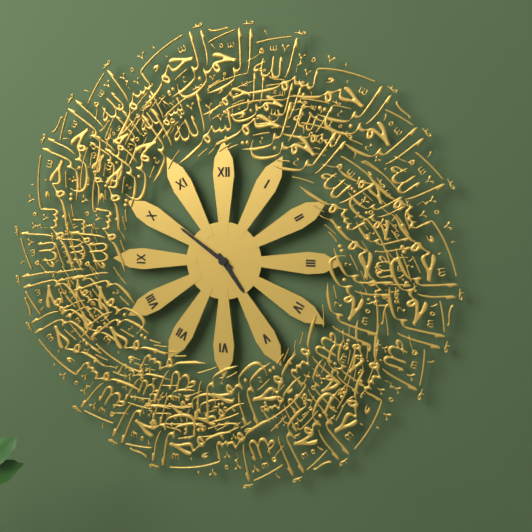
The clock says 4,51
